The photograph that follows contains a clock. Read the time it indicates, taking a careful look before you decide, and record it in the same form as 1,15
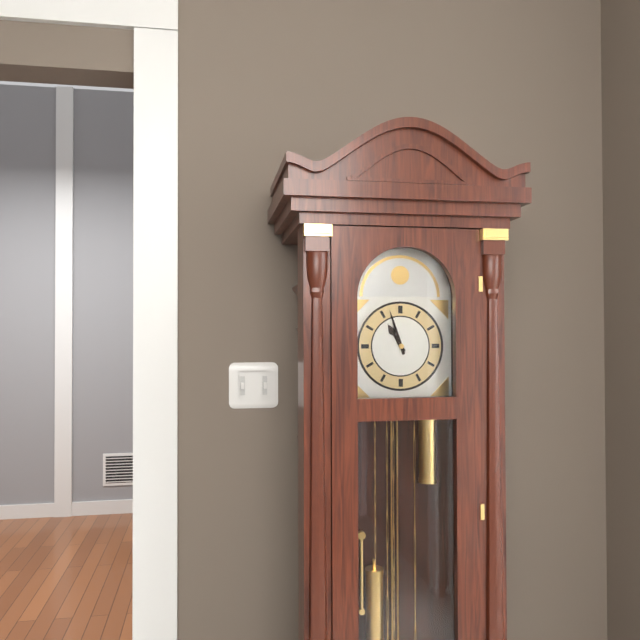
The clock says 10,57
